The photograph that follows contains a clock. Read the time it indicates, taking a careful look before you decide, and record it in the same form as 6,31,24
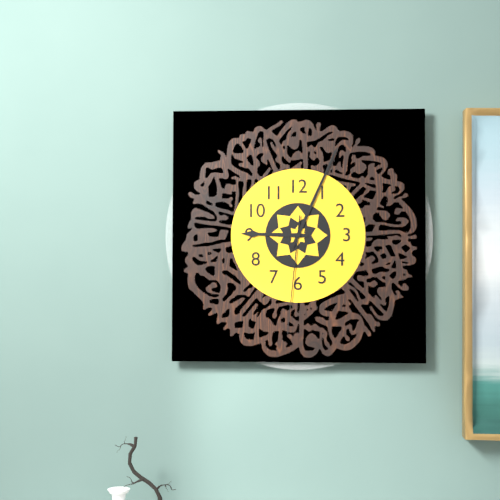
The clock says 9,04,31
